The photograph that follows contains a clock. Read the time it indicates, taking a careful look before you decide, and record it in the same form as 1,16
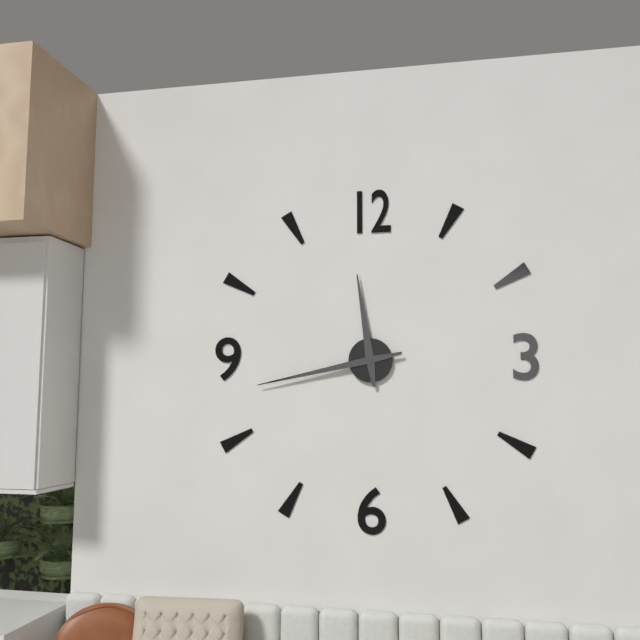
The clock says 11,43
